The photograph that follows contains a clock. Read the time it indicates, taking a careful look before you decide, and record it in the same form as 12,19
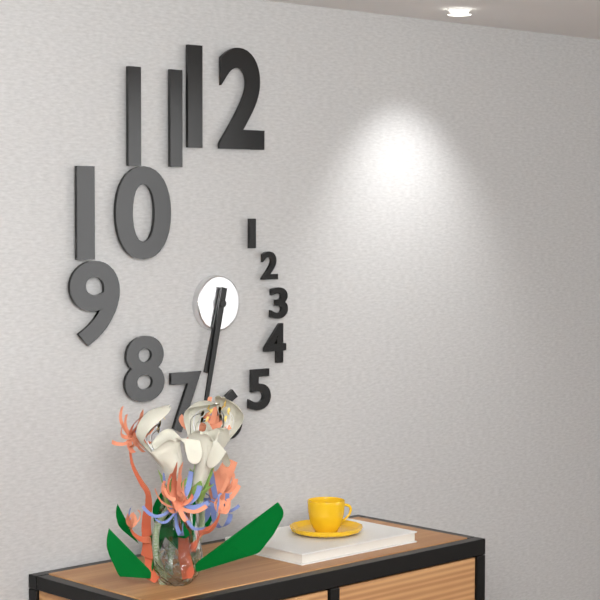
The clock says 6,32
